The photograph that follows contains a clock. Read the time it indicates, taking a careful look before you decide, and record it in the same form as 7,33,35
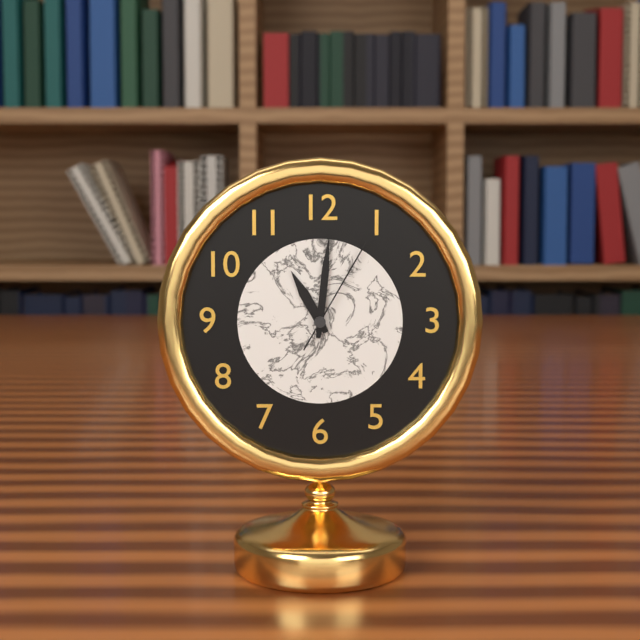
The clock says 11,01,05
